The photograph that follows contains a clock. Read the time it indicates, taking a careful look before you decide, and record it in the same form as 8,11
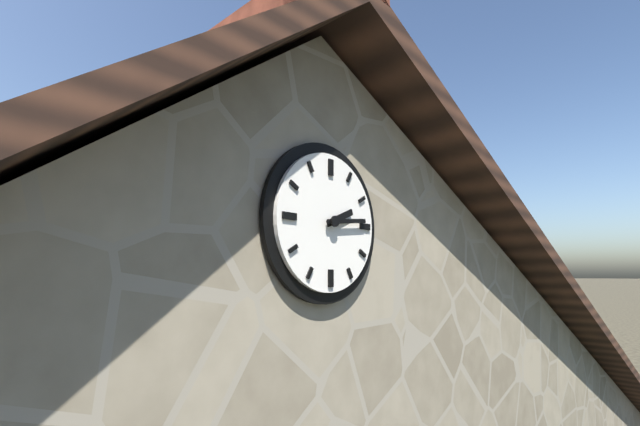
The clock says 2,14
